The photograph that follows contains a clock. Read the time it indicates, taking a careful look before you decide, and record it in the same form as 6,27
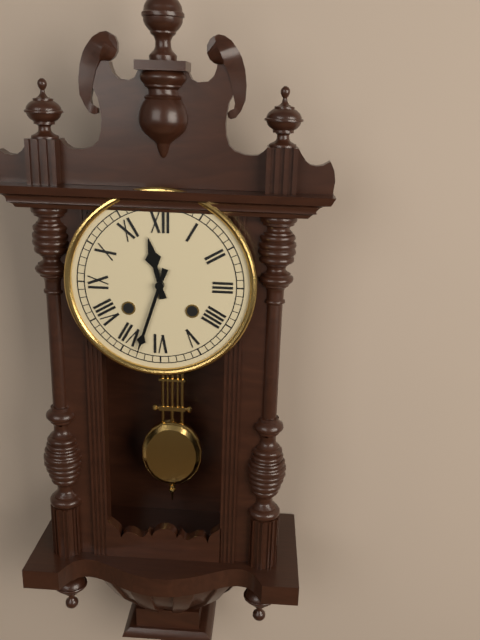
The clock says 11,33
